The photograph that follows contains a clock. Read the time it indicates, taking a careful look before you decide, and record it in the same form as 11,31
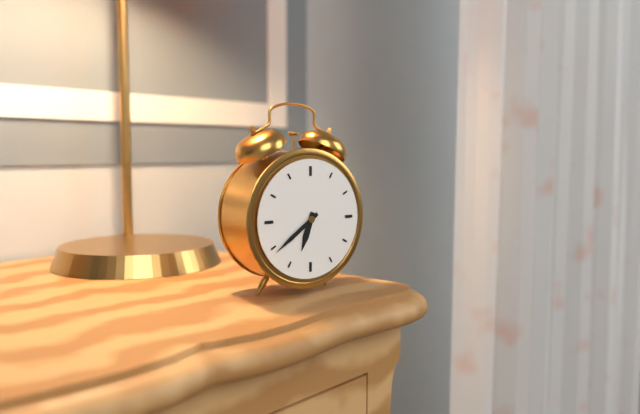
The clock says 6,39
